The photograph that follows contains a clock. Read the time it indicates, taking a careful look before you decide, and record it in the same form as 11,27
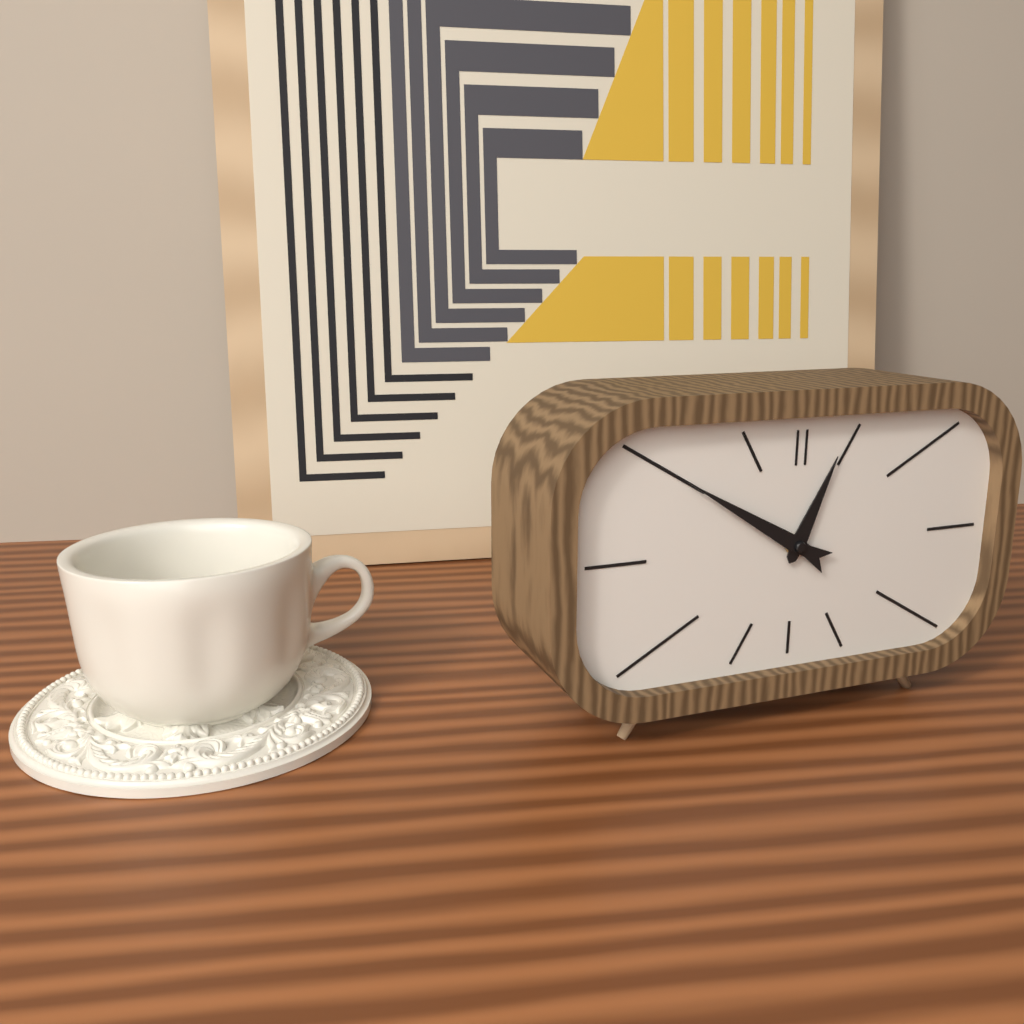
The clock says 12,50
